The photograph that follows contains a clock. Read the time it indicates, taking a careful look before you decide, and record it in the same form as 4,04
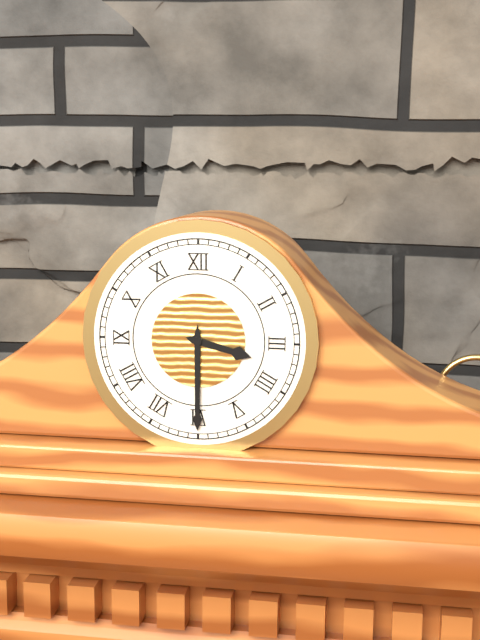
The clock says 3,30
